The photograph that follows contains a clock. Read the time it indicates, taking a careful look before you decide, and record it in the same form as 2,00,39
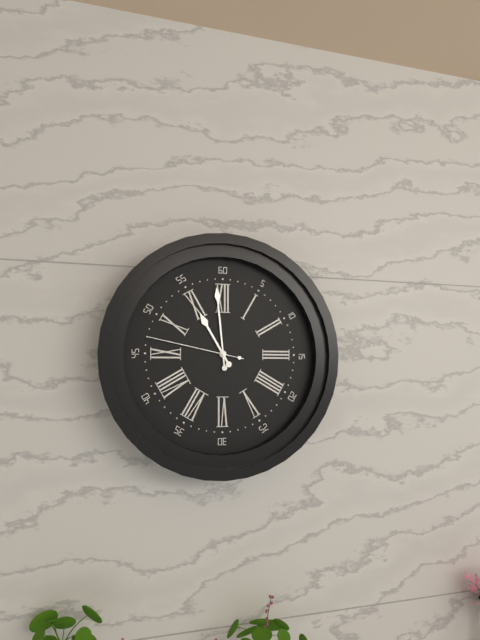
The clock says 10,59,47
